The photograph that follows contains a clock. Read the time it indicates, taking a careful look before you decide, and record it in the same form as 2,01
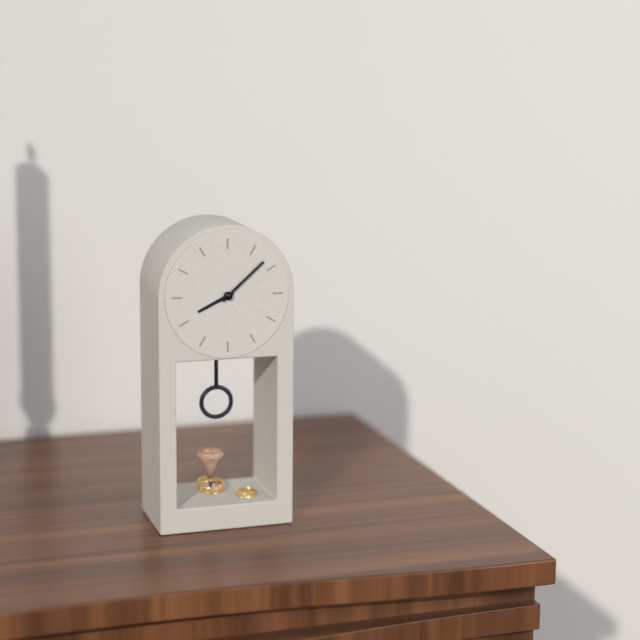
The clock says 8,08
